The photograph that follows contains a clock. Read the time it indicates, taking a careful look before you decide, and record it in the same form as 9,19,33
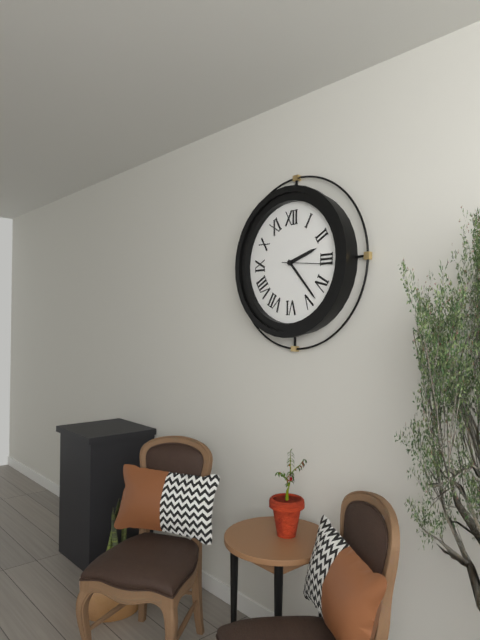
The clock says 2,23,16
